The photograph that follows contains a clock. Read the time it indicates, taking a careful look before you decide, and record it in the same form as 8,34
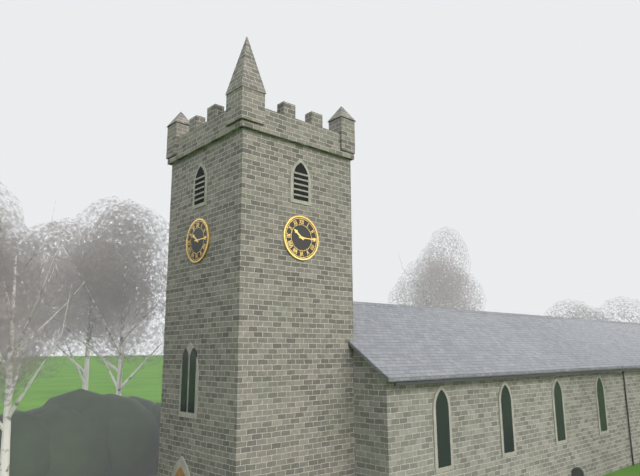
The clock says 10,15
